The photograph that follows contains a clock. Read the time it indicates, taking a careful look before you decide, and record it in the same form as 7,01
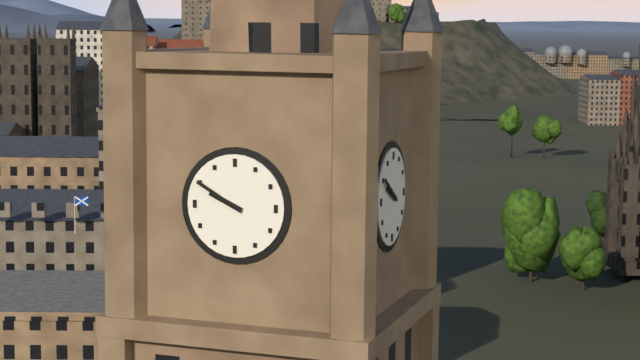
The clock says 9,50
